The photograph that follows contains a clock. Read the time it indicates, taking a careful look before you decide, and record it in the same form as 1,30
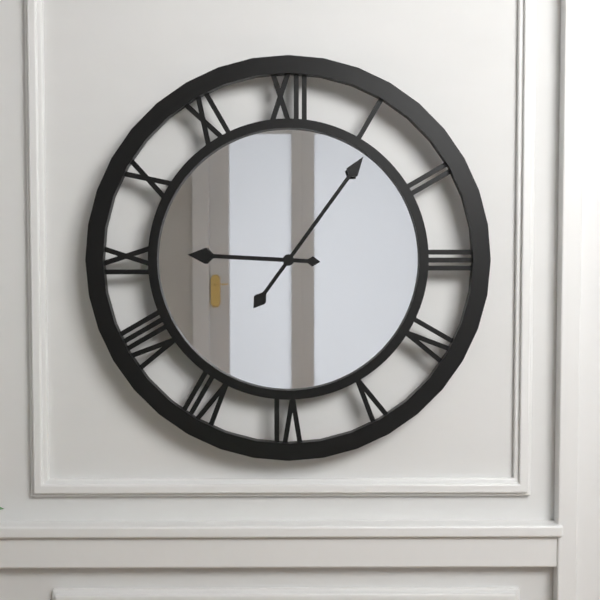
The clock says 9,06
